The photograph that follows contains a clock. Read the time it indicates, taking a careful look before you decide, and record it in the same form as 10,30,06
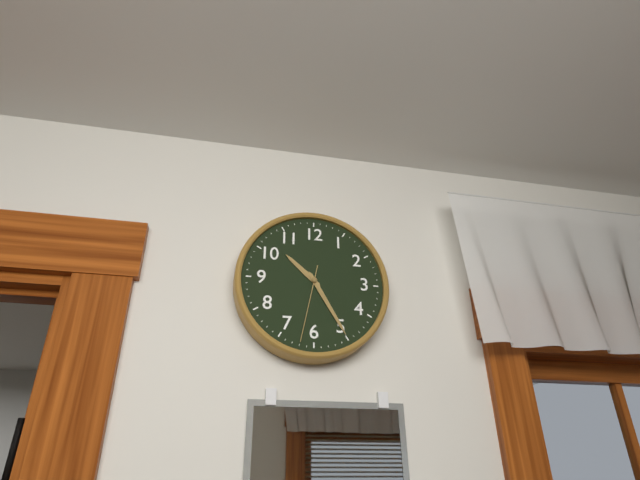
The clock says 10,25,32
